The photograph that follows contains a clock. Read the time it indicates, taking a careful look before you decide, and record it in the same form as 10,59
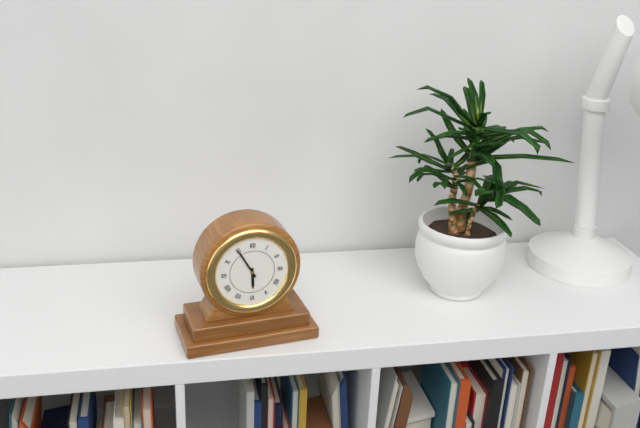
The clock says 5,55
